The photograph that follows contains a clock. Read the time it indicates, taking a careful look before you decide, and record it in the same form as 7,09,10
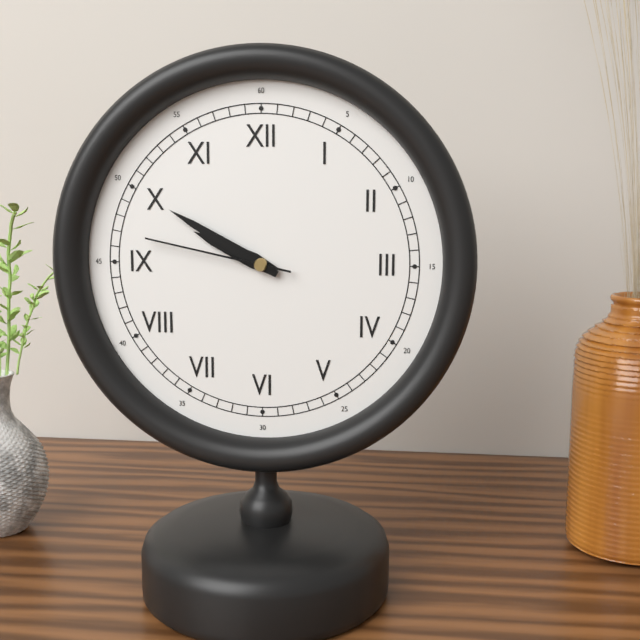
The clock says 9,50,47
